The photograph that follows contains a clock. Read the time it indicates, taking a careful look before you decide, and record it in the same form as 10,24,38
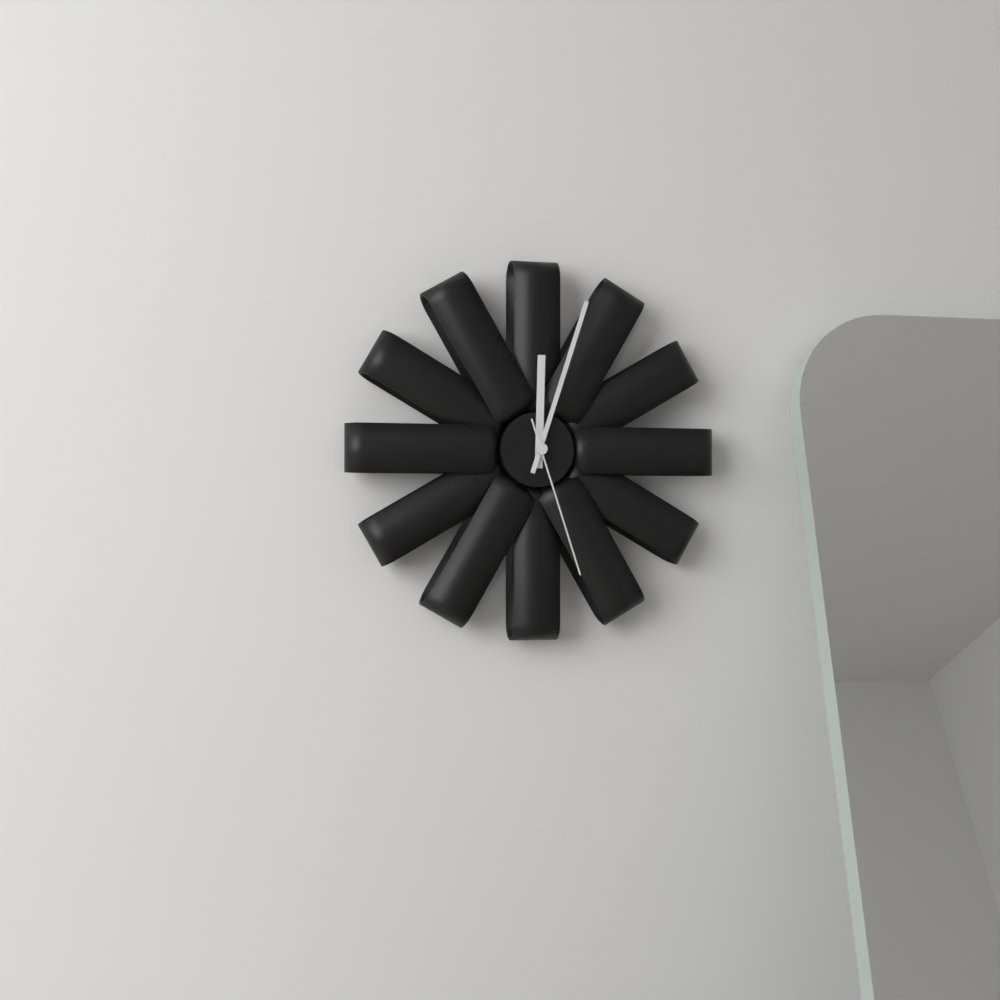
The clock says 12,03,27
